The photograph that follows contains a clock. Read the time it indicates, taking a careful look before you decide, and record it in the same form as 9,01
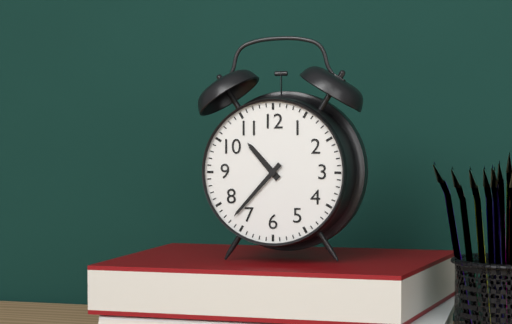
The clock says 10,37
